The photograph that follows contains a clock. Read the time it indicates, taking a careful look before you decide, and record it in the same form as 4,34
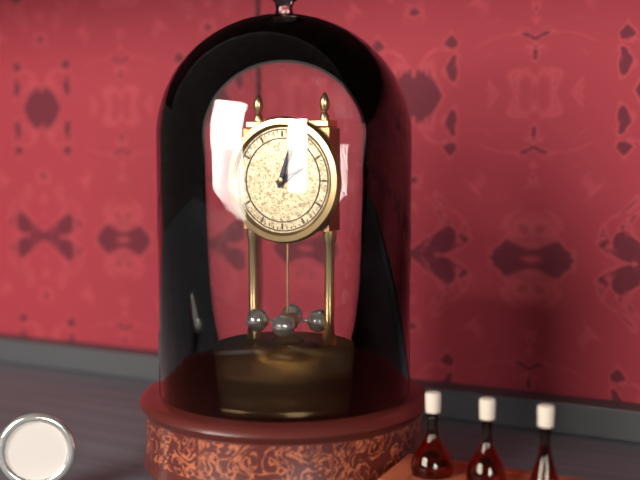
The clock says 2,03
